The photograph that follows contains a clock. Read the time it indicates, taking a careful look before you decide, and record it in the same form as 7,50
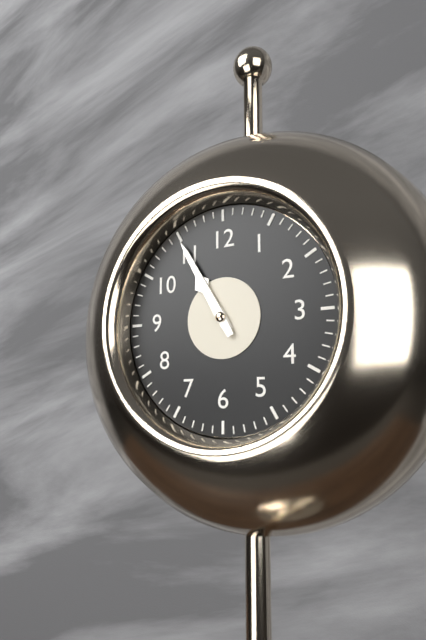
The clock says 10,55
